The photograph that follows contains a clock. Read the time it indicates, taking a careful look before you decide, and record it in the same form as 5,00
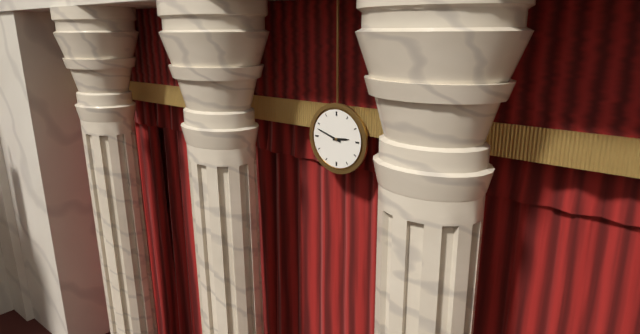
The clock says 2,48
